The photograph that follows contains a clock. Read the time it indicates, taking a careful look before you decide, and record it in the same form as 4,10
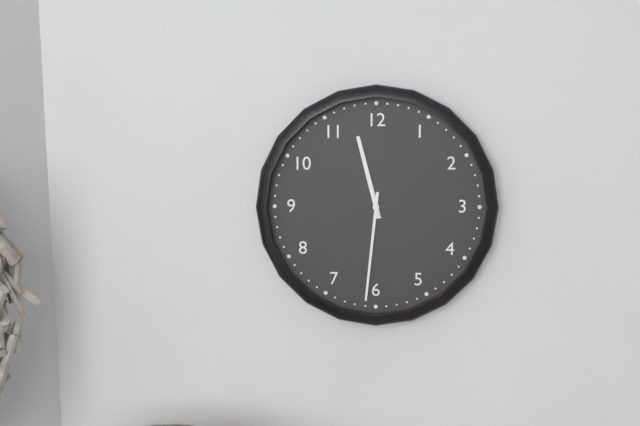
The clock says 11,31
